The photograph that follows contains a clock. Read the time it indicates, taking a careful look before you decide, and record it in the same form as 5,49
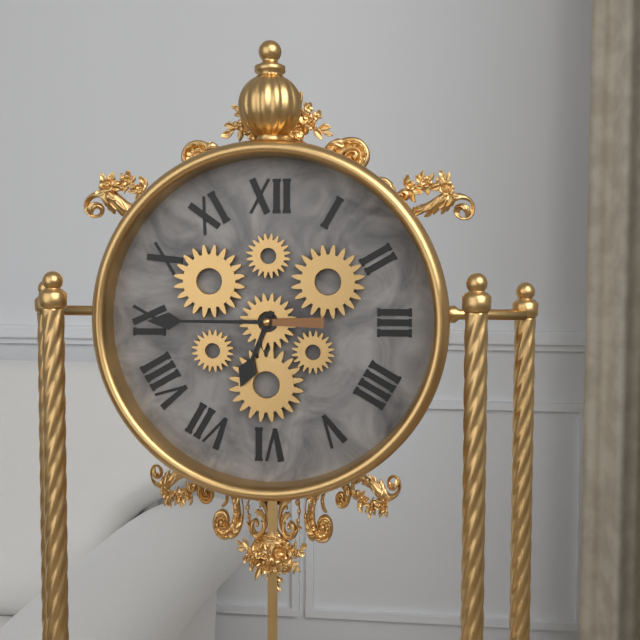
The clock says 6,45
